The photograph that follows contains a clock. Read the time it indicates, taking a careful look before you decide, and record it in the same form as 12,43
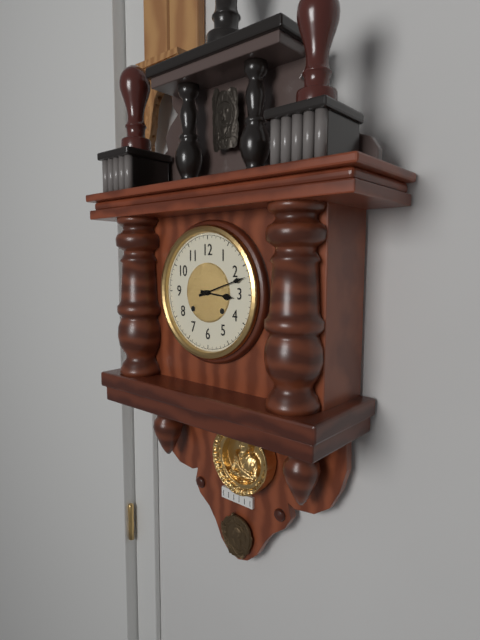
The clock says 3,12
